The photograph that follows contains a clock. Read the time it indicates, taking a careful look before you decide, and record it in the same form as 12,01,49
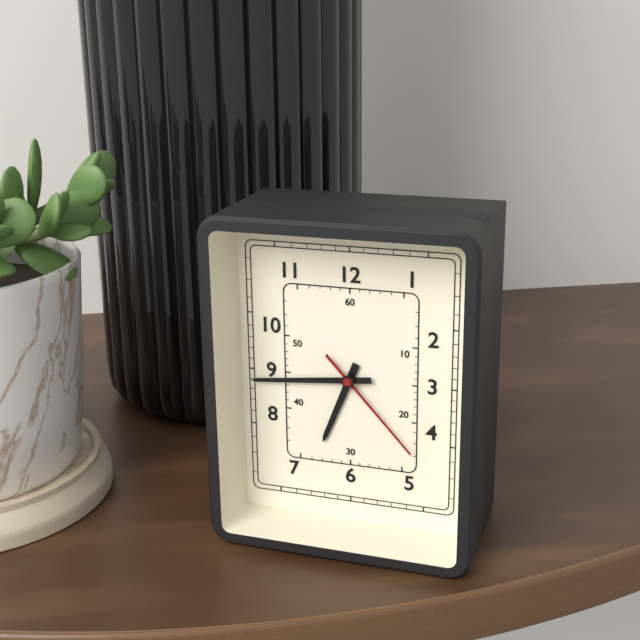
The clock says 6,44,23
